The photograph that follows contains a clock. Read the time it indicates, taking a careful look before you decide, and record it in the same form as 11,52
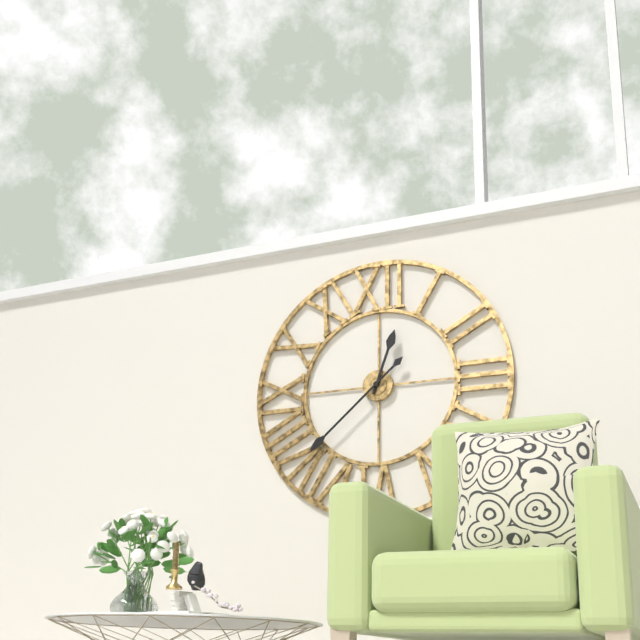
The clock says 12,38
